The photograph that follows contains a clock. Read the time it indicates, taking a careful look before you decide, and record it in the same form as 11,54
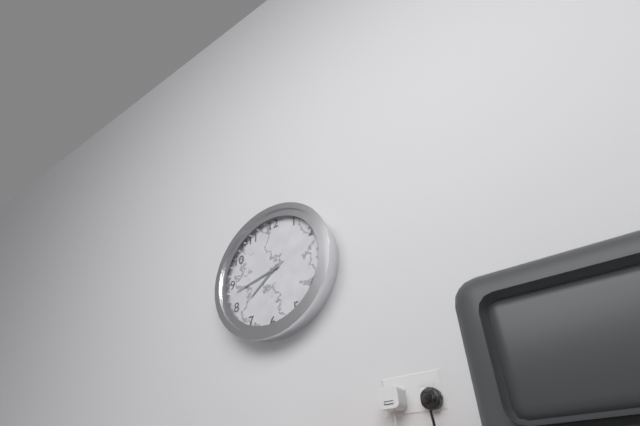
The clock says 7,43
